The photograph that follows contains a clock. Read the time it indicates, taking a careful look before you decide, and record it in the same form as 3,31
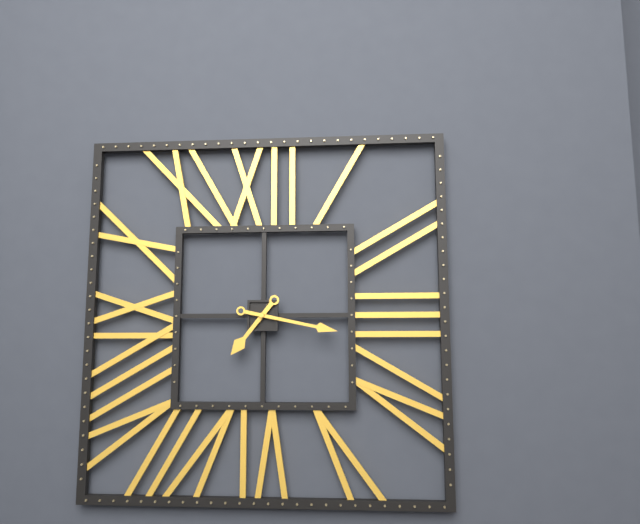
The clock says 7,17
